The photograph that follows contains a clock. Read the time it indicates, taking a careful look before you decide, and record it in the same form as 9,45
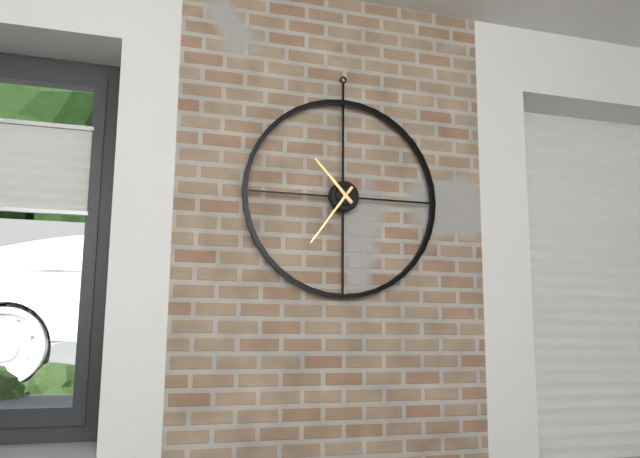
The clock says 10,36
